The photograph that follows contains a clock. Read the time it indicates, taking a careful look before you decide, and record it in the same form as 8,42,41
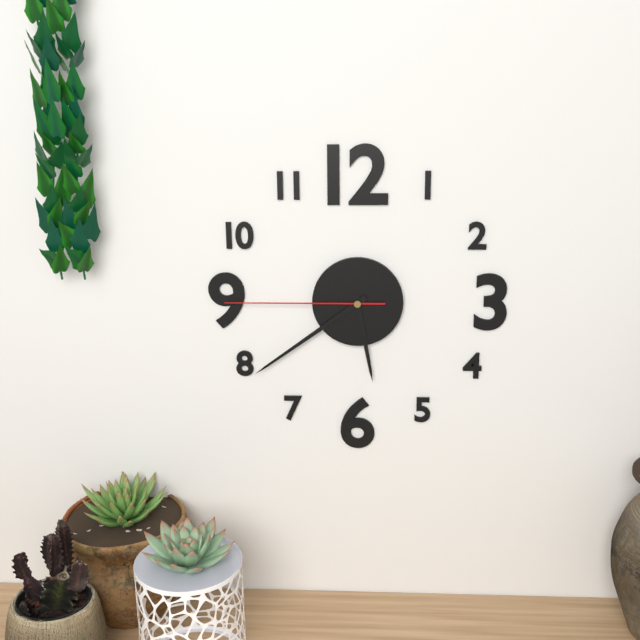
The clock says 5,39,45
